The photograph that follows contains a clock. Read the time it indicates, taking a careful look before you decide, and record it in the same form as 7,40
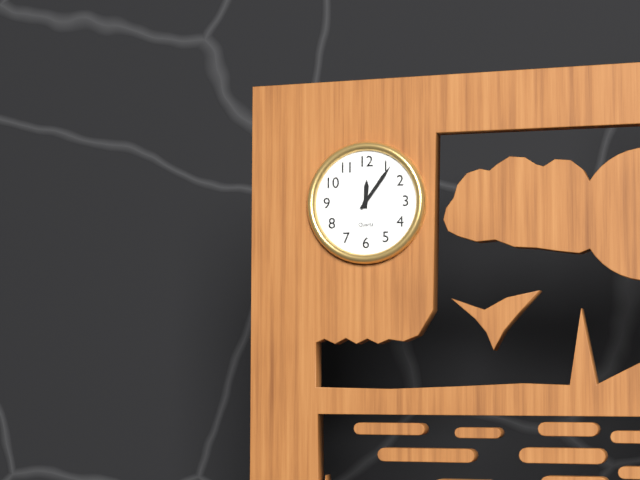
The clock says 12,06
